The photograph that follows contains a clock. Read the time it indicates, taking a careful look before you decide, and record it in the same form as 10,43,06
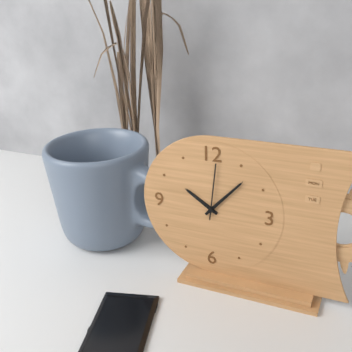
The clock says 10,07,01
